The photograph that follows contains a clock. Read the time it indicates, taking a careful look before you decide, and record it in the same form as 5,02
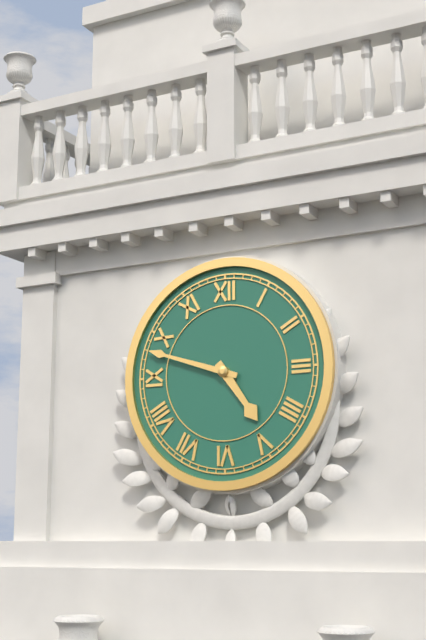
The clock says 4,48
